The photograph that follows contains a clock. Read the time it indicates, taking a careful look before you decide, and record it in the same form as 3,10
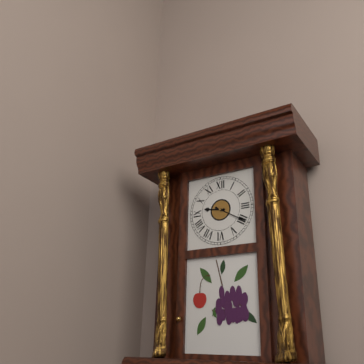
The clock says 9,20
